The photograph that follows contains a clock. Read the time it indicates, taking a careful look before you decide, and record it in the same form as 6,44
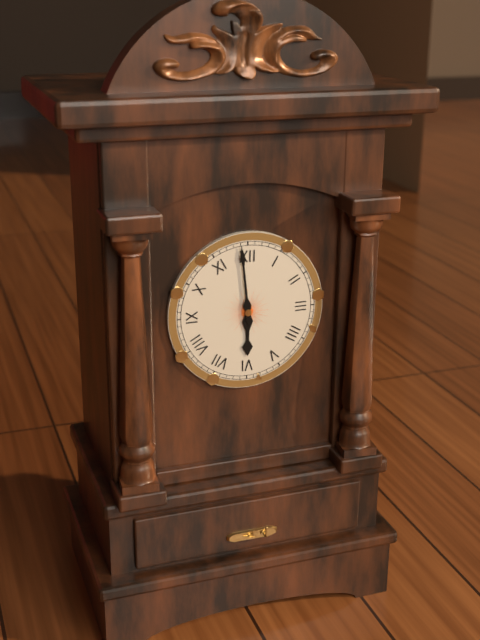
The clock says 5,59
